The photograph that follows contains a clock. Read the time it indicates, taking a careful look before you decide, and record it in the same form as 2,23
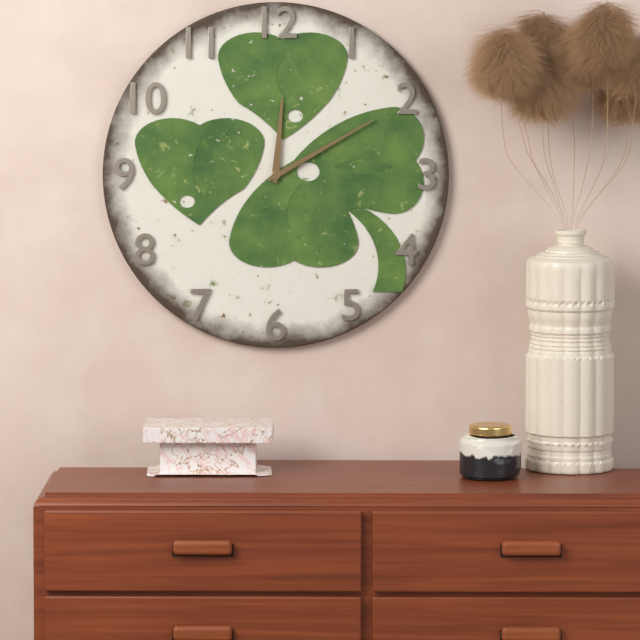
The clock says 12,10
